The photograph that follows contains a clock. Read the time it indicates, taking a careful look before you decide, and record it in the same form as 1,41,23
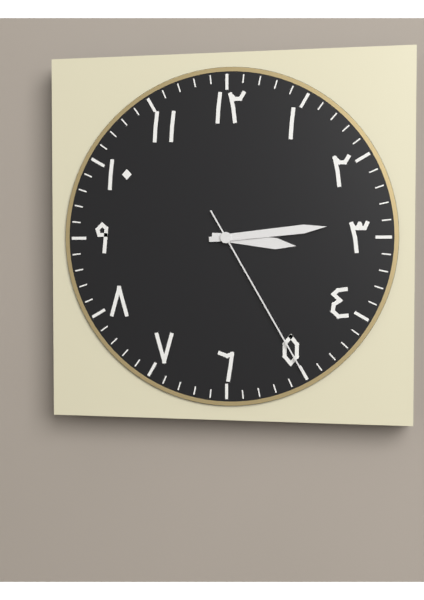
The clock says 3,14,25
